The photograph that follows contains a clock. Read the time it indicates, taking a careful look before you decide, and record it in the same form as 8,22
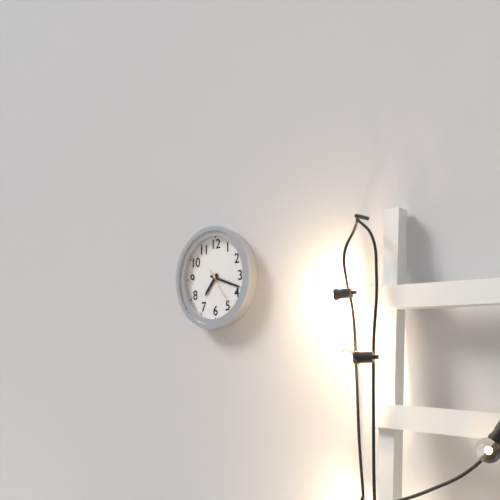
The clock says 7,18
